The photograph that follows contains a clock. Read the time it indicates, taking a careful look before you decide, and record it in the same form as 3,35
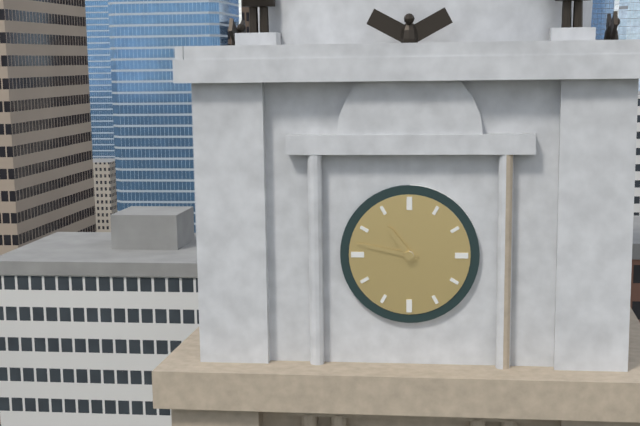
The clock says 10,47
